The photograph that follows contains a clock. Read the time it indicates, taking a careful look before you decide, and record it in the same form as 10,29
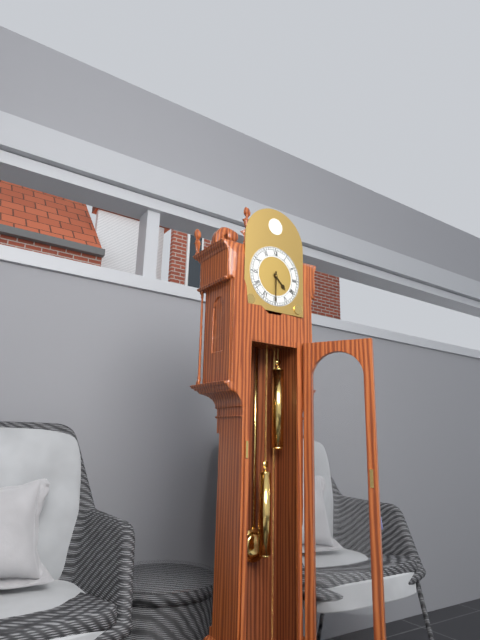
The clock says 4,30
